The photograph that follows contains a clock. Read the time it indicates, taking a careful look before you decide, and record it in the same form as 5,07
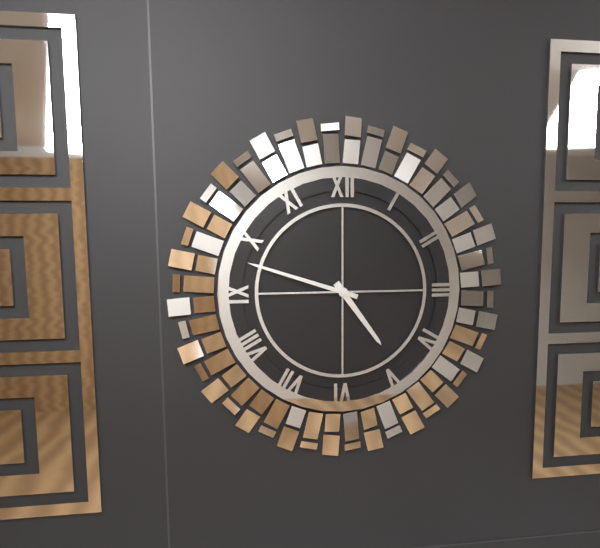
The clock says 4,48
